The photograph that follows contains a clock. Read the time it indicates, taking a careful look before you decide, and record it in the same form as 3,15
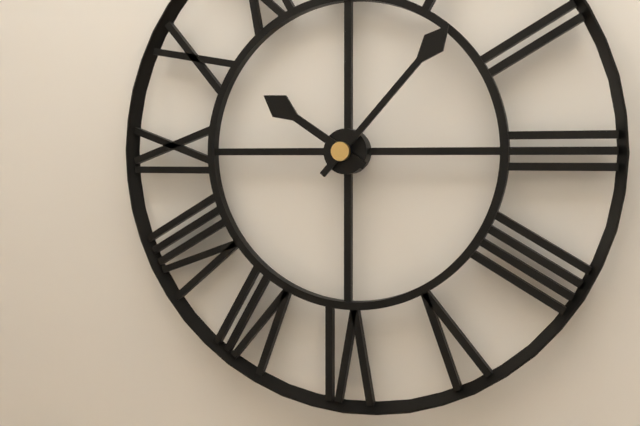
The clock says 10,07
